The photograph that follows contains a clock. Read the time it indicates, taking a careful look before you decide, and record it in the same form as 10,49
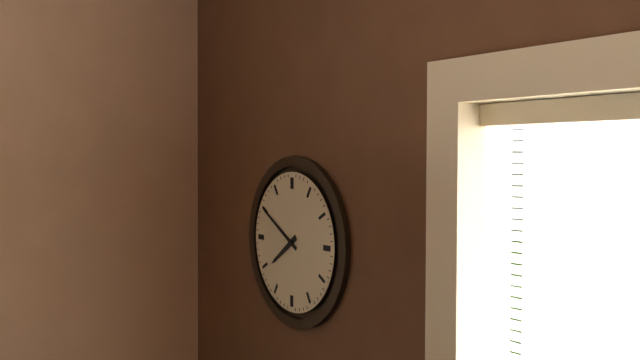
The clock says 7,50
